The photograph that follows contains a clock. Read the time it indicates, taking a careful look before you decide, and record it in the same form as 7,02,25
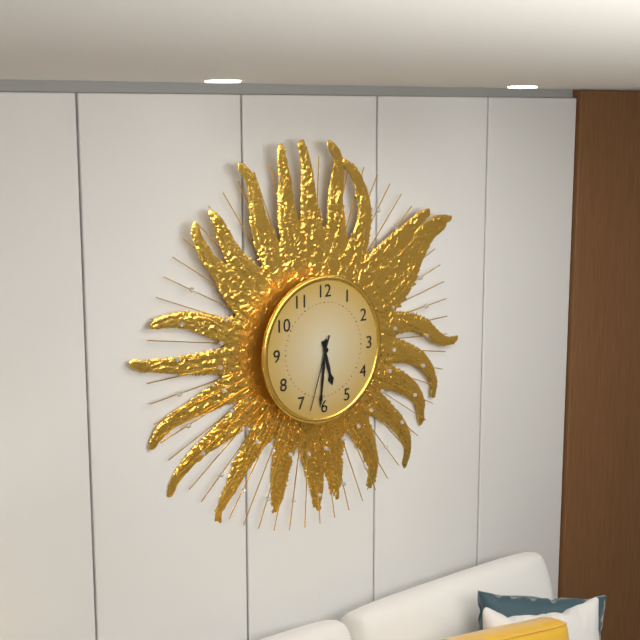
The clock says 5,31,33
